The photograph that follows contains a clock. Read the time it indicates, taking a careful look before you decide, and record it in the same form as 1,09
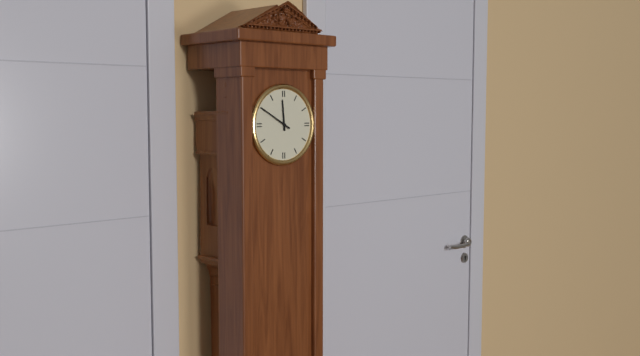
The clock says 11,50
